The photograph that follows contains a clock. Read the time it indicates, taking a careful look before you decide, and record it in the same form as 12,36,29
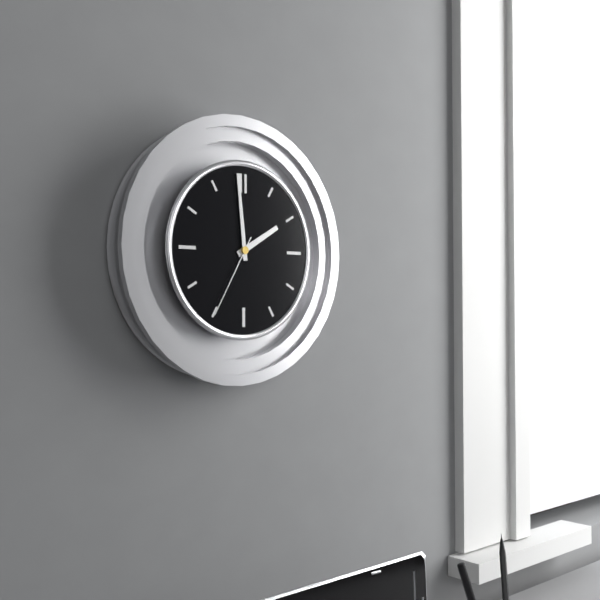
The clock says 1,59,35
